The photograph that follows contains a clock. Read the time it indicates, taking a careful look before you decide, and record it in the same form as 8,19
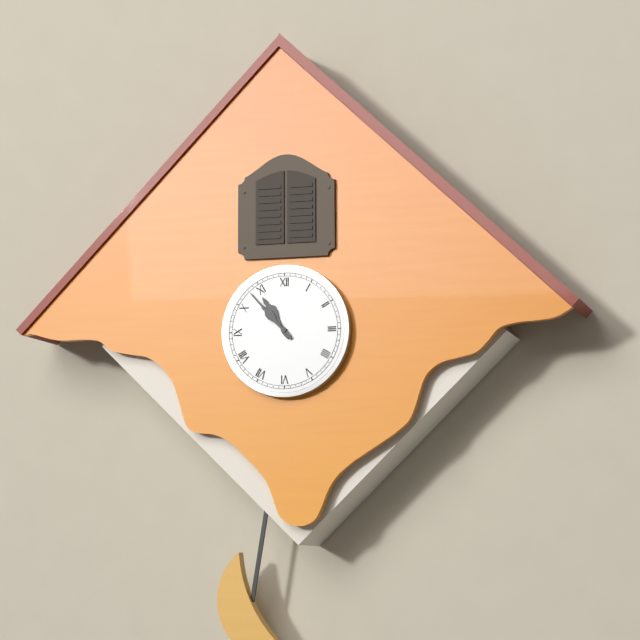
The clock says 10,53
